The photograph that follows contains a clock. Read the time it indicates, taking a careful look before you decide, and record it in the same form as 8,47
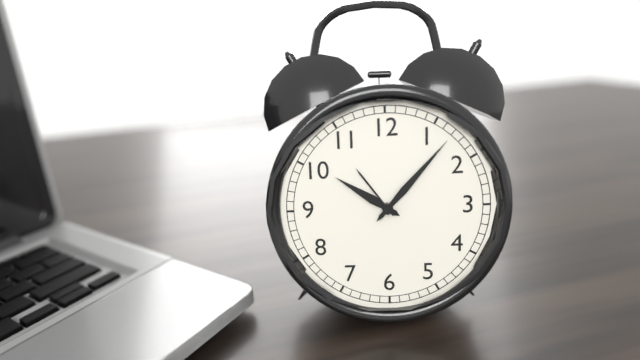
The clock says 10,07
